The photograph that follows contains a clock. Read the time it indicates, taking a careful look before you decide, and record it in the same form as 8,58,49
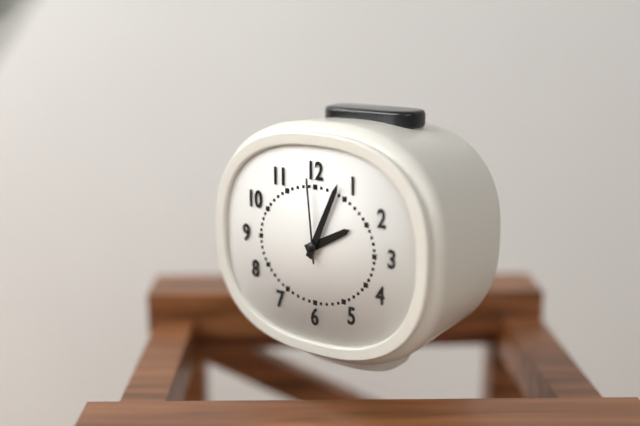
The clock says 2,04,59
